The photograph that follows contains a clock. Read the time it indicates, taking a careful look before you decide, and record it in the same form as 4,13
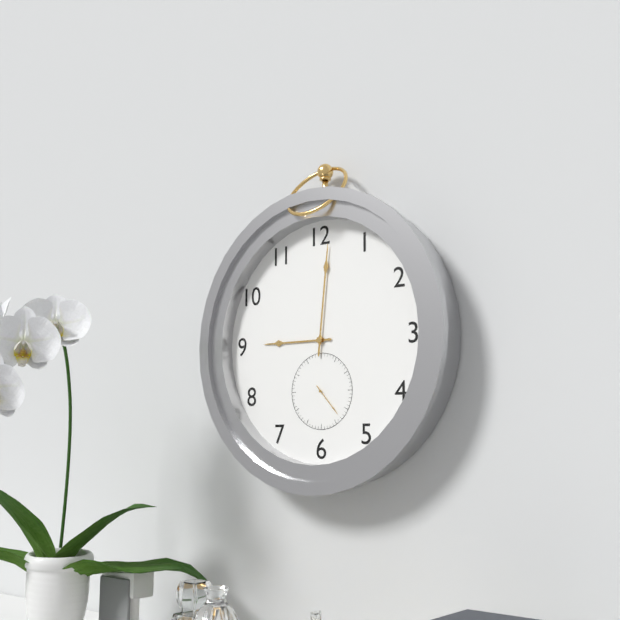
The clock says 9,01
